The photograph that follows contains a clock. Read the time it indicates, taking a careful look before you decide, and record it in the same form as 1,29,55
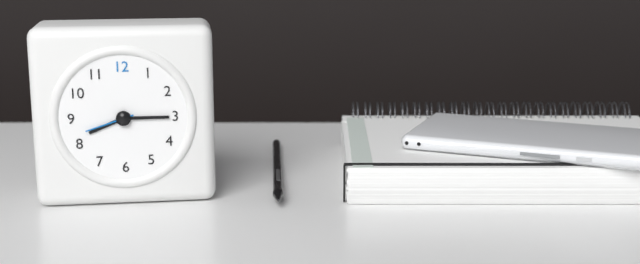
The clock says 8,15,42
